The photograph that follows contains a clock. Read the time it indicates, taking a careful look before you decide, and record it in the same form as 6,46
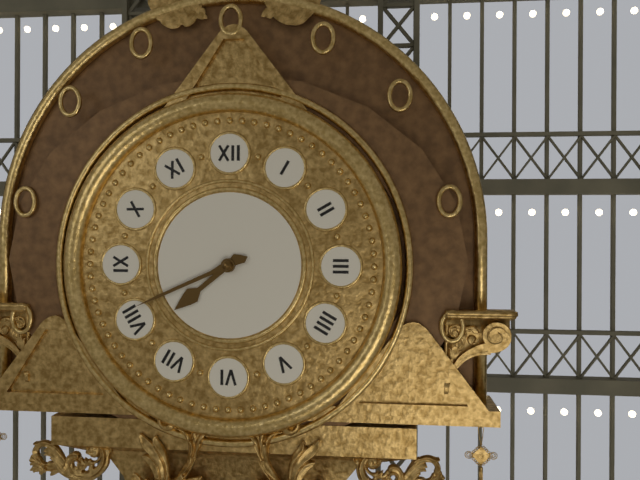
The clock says 7,41
